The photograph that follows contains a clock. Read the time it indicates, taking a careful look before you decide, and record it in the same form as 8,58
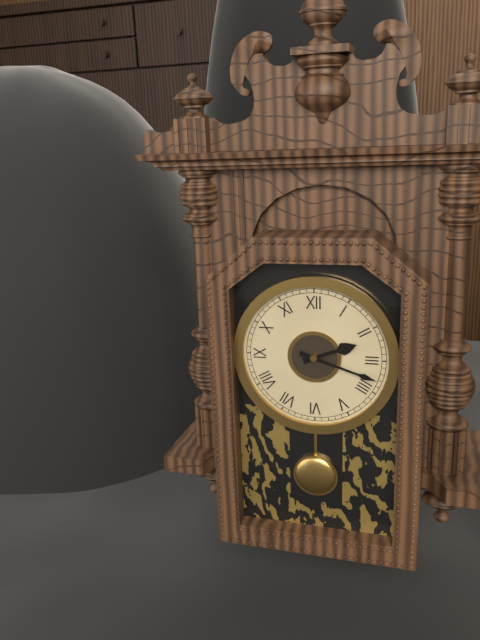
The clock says 2,18
